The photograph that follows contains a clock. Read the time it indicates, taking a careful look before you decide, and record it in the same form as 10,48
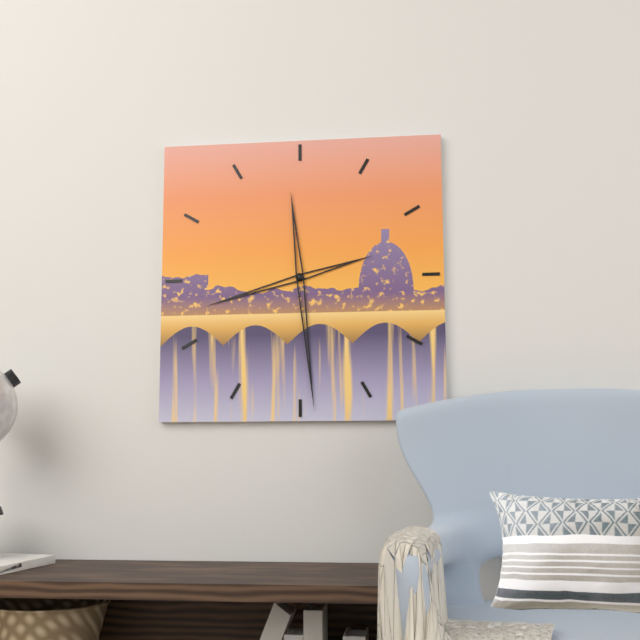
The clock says 8,29
